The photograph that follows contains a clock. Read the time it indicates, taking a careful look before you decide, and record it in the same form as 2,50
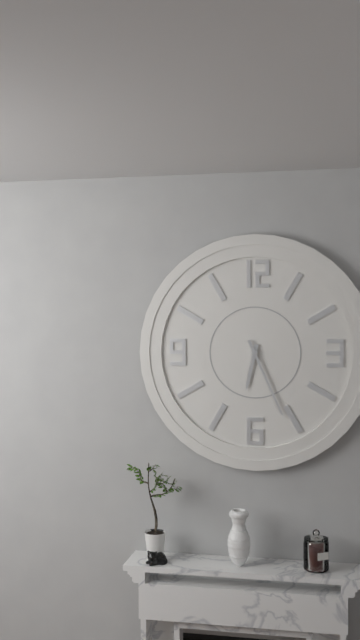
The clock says 6,26
